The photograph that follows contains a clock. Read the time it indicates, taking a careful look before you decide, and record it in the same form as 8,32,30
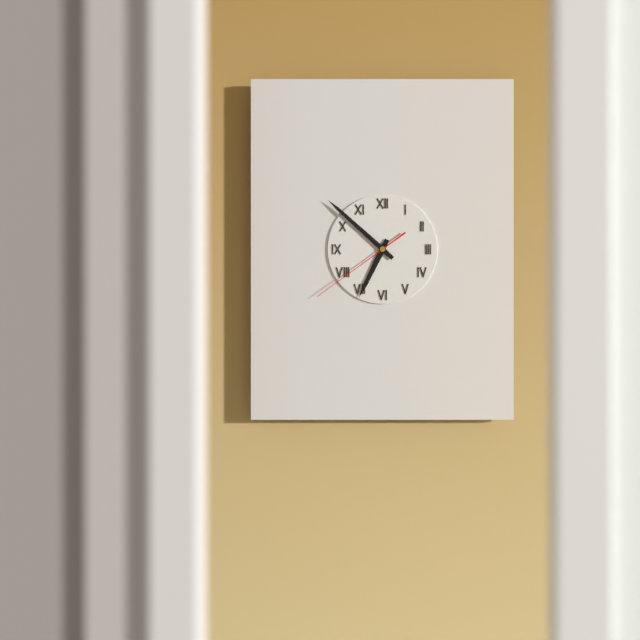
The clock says 6,52,39
